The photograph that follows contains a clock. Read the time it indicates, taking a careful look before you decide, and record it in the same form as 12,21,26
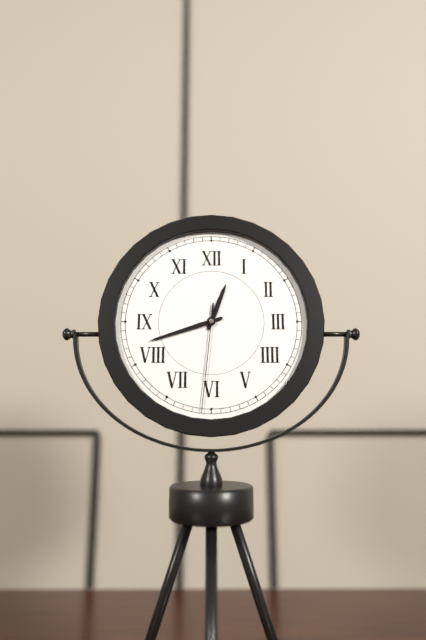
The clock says 12,42,31
